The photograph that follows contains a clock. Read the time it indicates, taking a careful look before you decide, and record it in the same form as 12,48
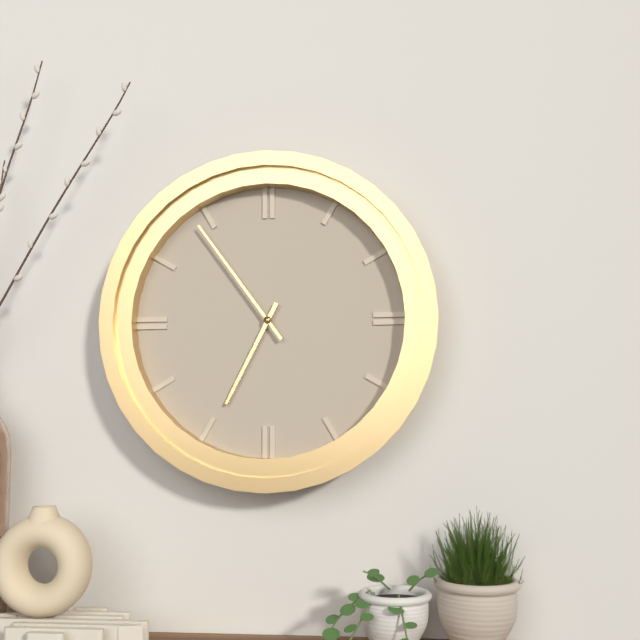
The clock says 6,54
